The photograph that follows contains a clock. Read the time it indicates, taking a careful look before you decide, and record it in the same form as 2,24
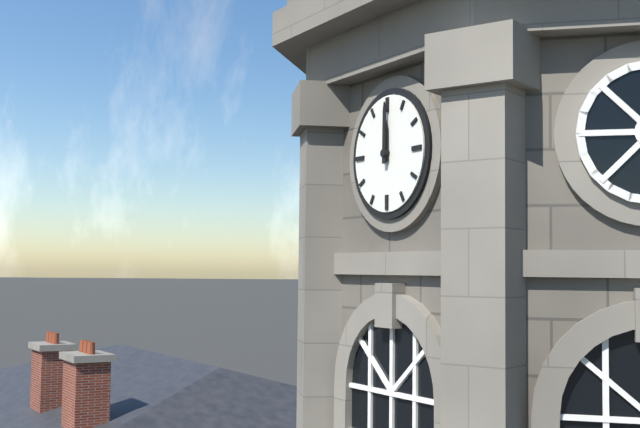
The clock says 12,00
